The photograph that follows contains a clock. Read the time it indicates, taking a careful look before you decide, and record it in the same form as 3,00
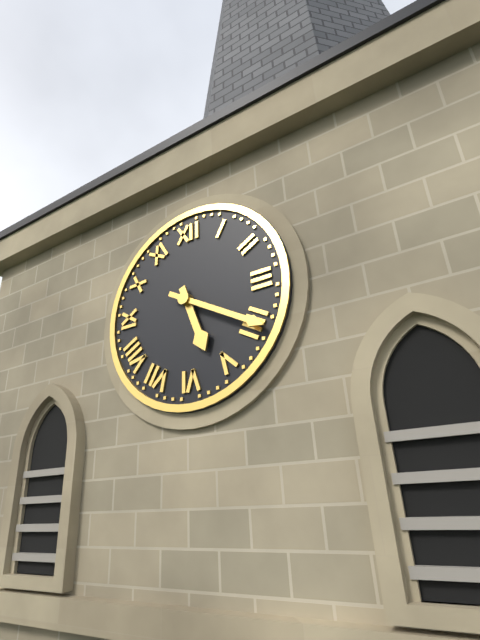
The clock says 5,20
